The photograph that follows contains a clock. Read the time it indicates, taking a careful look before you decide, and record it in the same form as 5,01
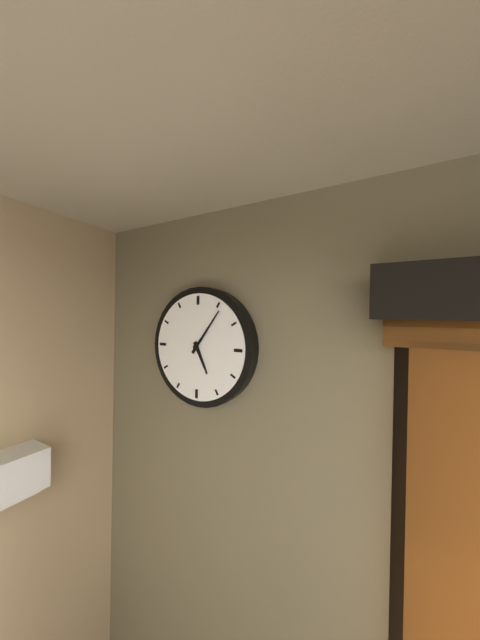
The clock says 5,06
